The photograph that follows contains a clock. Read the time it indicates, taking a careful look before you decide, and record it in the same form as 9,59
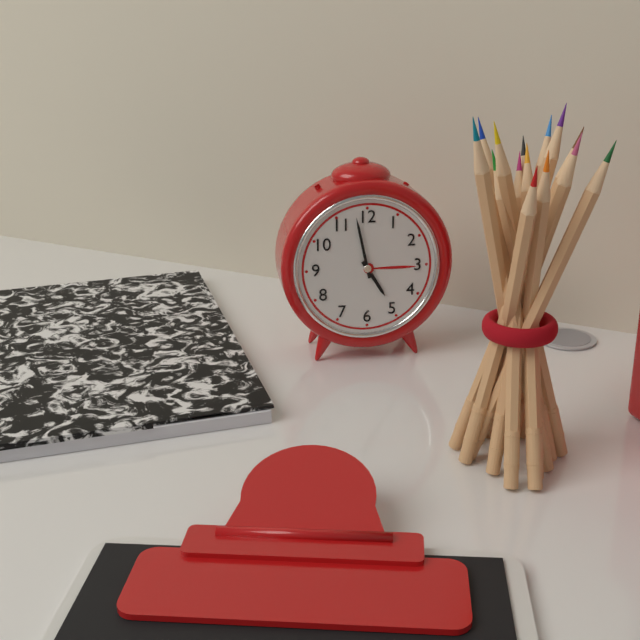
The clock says 4,58
